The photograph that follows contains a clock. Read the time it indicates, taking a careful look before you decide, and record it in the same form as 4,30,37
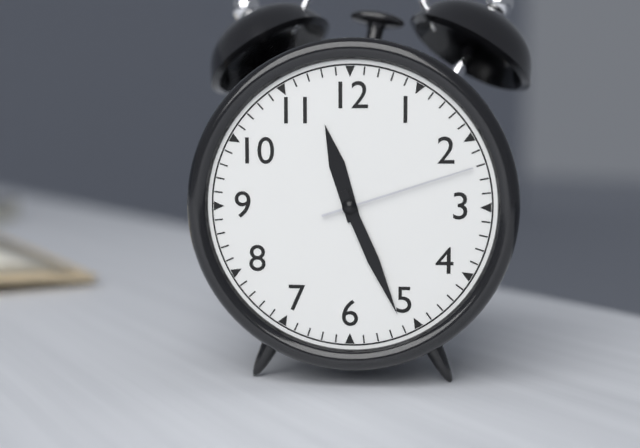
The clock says 11,26,12
